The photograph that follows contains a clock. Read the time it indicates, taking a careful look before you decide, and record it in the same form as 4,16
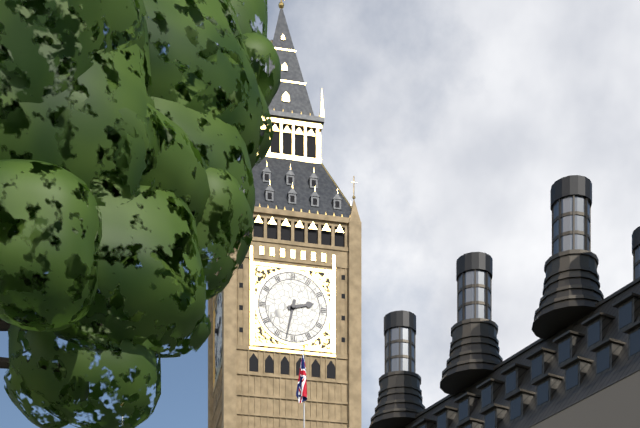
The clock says 2,32
